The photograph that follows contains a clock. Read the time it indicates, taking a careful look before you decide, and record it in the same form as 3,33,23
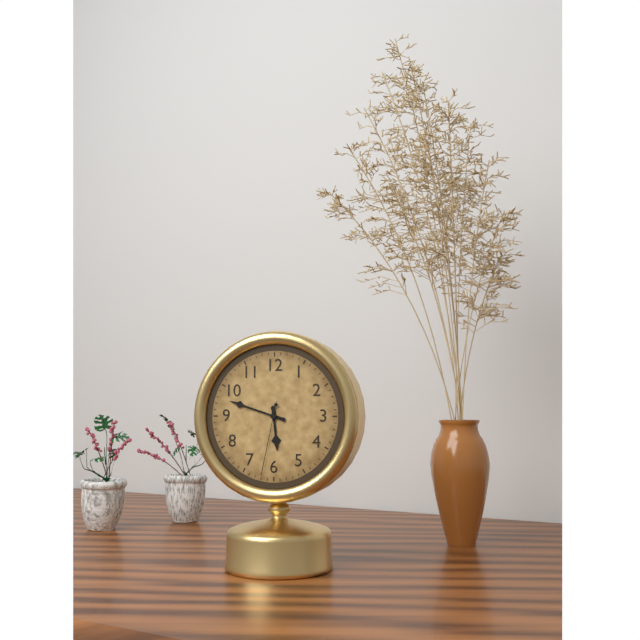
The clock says 5,48,32
